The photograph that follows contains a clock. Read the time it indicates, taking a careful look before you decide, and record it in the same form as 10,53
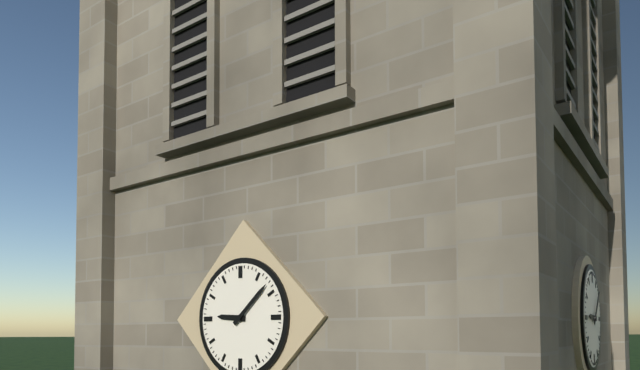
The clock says 9,08
